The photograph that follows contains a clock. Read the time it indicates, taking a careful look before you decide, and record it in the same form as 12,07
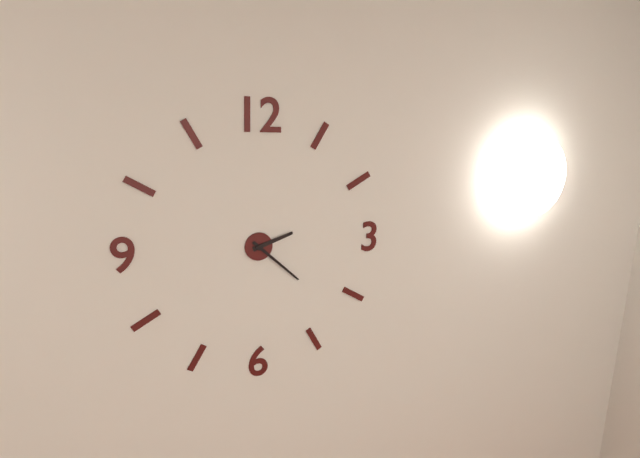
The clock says 2,22
